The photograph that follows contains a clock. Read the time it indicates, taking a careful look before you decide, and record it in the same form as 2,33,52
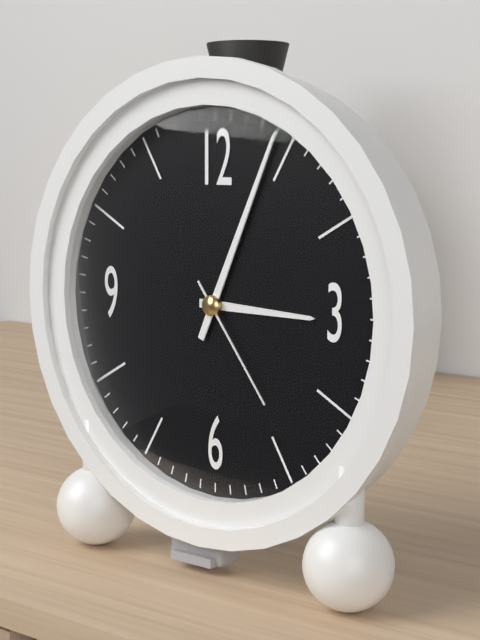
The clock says 3,04,24
